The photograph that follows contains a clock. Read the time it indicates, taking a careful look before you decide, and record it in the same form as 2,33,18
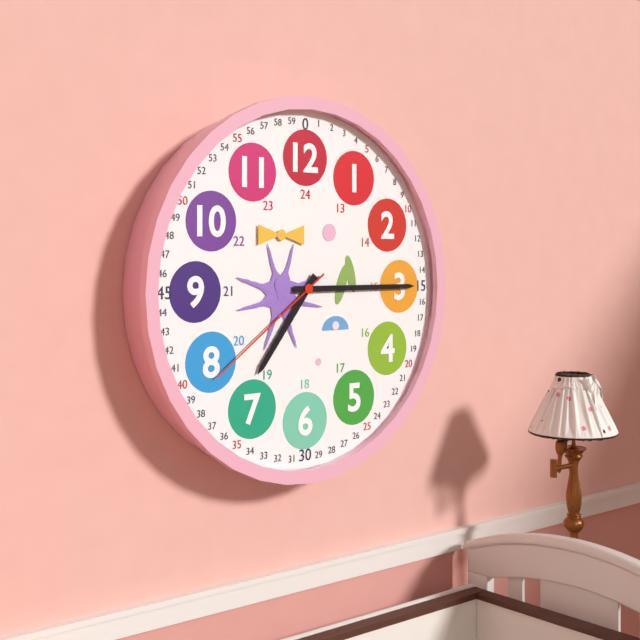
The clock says 7,15,39
